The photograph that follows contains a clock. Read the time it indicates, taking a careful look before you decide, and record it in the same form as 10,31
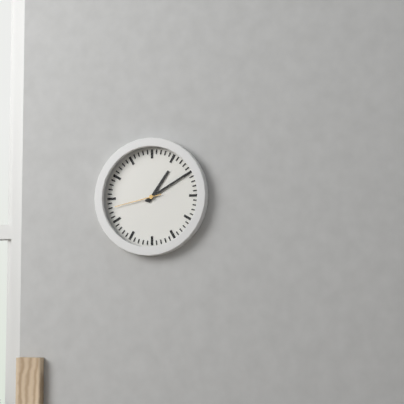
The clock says 1,10
